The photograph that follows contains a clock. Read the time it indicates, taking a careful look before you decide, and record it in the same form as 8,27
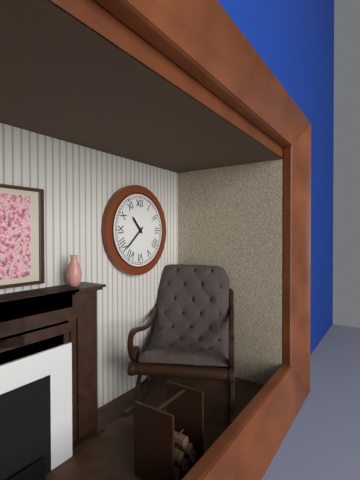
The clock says 10,38
